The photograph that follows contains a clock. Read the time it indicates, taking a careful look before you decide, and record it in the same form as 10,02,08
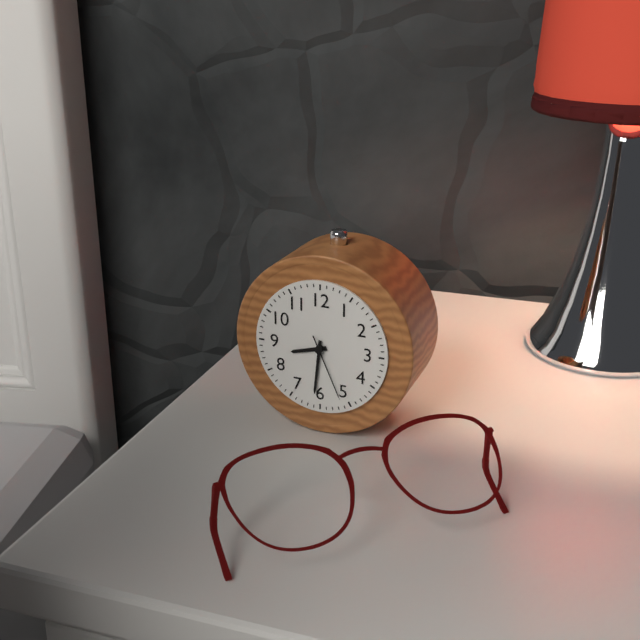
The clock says 8,31,26
